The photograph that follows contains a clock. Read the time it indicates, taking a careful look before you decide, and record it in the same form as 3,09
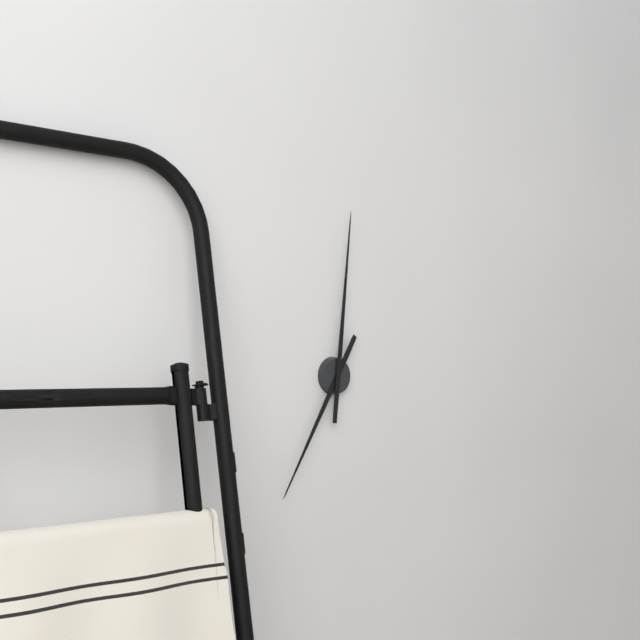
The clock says 7,01
